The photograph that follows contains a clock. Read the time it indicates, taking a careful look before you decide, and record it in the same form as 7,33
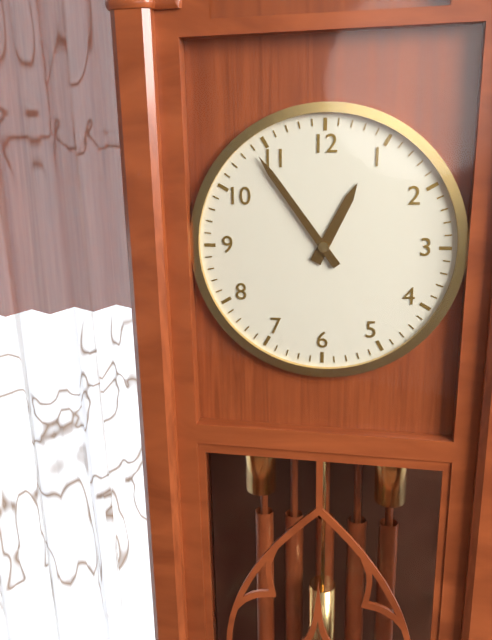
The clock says 12,54
